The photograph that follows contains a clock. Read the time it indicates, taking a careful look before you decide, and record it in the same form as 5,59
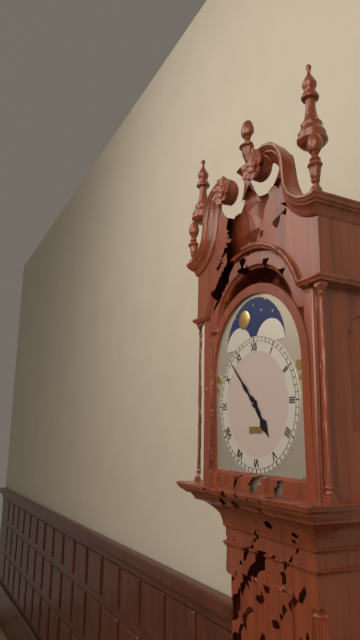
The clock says 4,53
